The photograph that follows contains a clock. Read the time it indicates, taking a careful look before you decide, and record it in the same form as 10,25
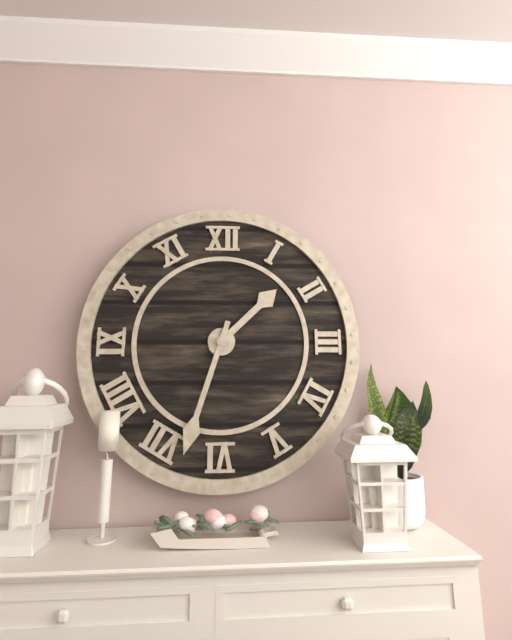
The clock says 1,33
